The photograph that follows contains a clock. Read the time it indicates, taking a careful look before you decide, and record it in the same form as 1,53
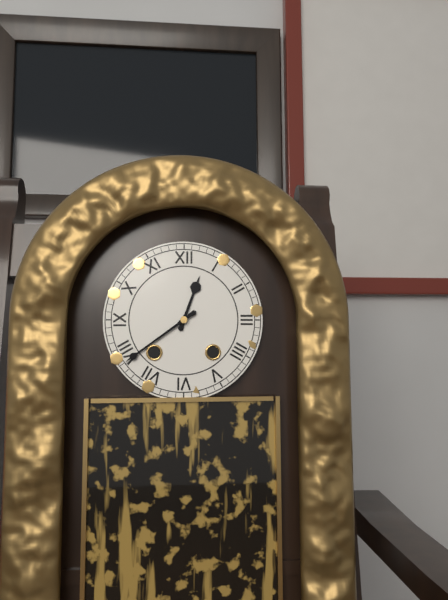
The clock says 12,39
